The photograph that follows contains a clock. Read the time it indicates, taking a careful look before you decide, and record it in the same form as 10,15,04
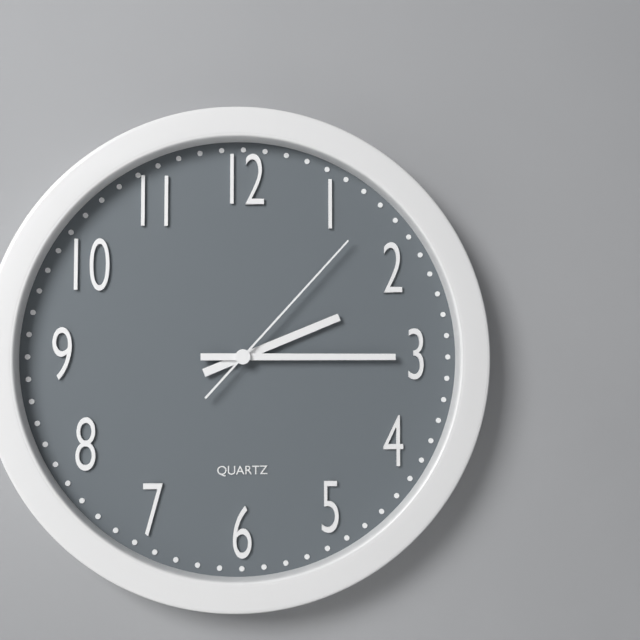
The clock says 2,15,07
